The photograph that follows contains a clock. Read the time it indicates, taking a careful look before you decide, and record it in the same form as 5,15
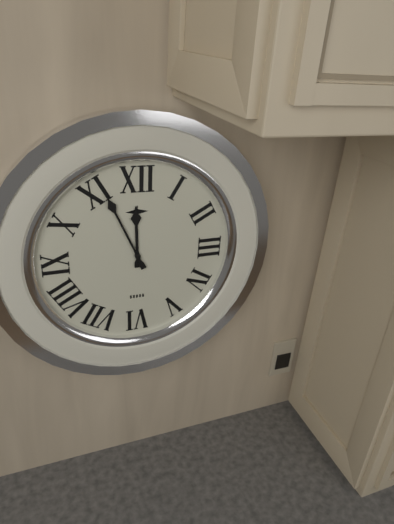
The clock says 11,56
